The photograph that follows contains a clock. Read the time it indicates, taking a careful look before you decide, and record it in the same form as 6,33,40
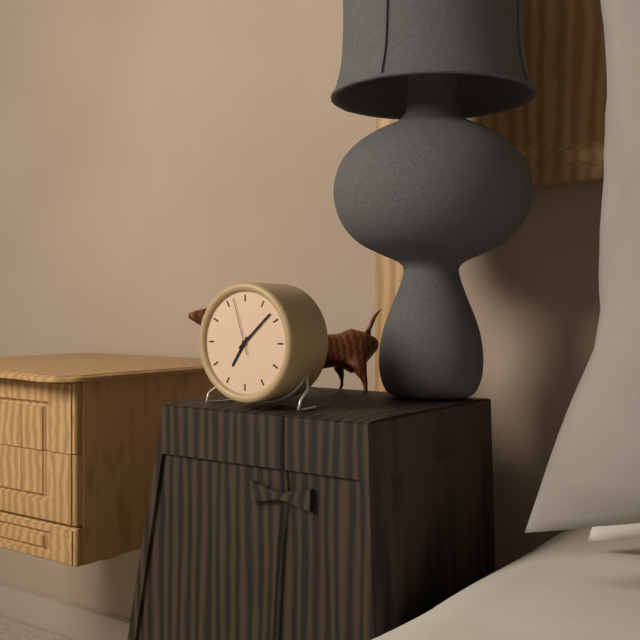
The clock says 7,08,57
